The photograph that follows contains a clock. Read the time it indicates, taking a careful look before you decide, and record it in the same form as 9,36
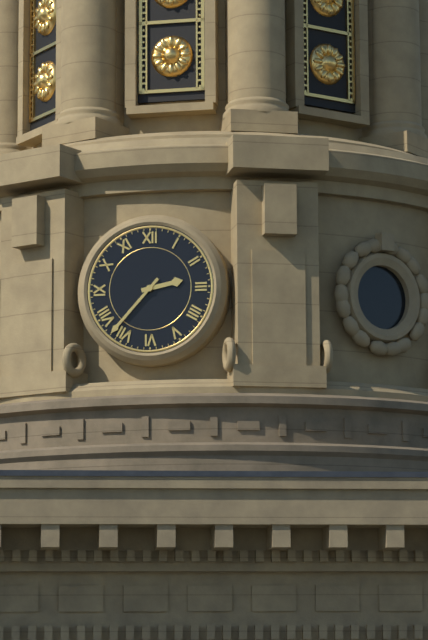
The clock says 2,37
